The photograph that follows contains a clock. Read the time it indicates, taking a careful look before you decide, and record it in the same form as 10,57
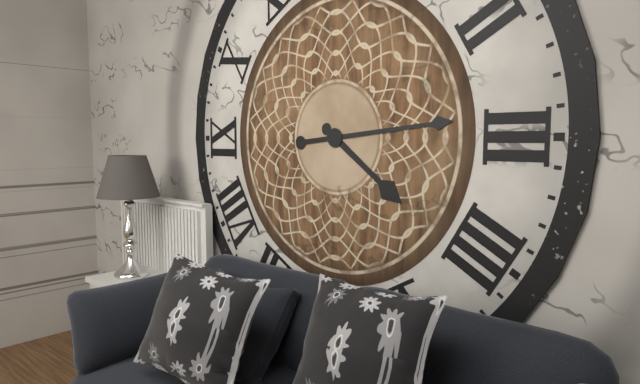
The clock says 4,14
